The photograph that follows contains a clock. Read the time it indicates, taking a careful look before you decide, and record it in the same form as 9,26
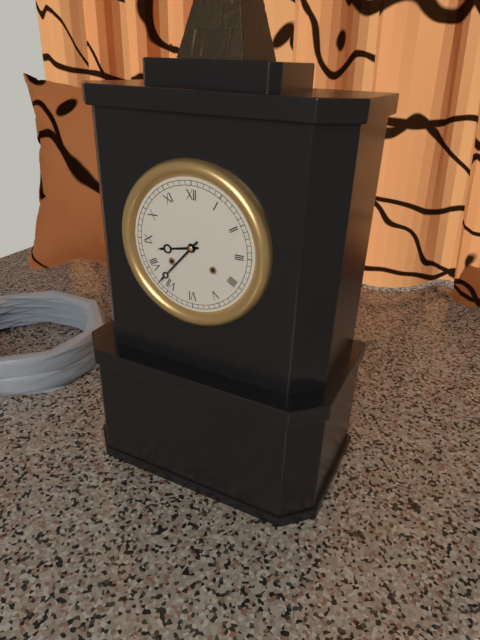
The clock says 8,37
